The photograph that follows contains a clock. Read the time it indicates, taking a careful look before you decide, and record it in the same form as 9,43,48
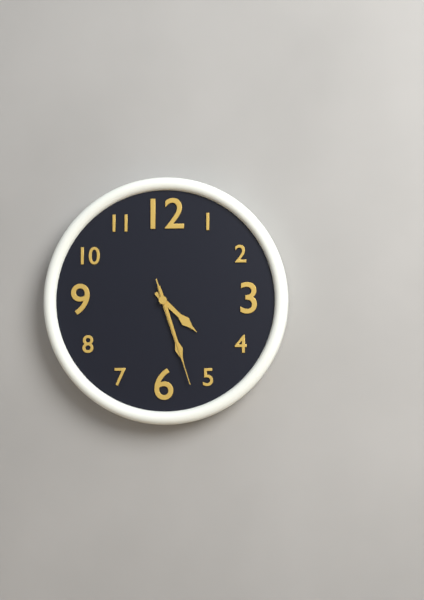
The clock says 4,27,27
